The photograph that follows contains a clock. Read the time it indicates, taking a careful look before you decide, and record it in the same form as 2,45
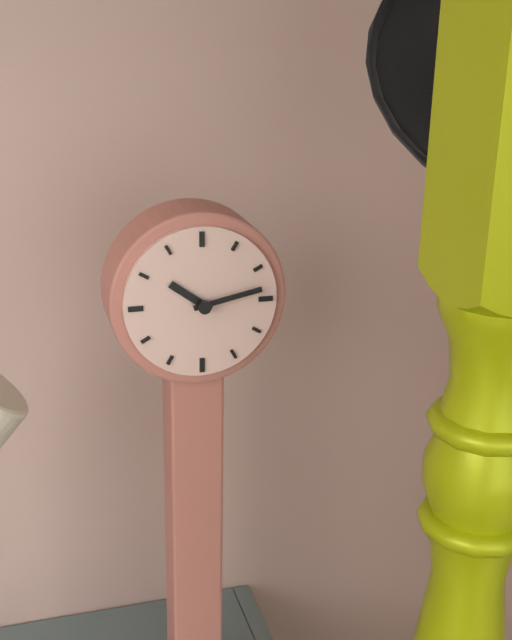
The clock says 10,13
